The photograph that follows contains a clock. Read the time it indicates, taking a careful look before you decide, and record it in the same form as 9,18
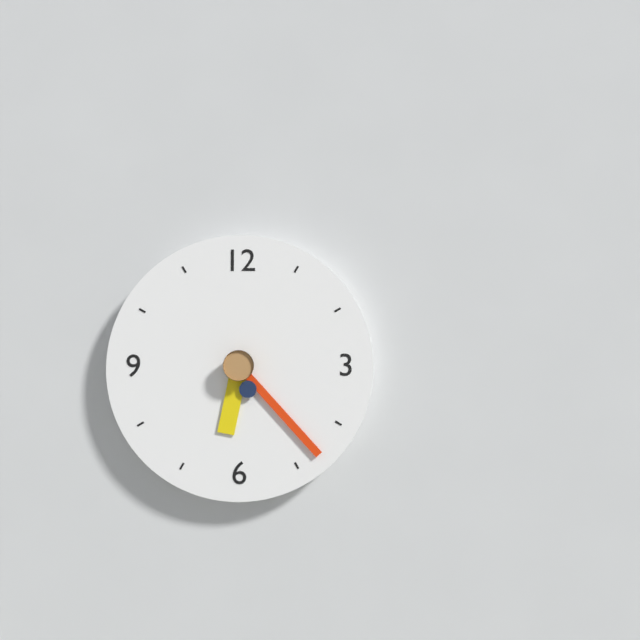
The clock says 6,23
